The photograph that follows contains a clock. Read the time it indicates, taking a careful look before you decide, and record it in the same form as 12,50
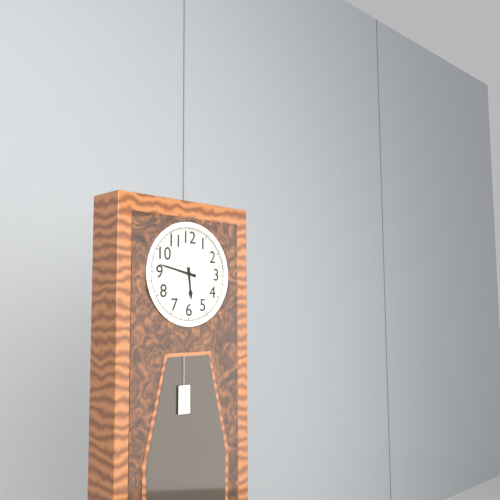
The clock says 5,47
